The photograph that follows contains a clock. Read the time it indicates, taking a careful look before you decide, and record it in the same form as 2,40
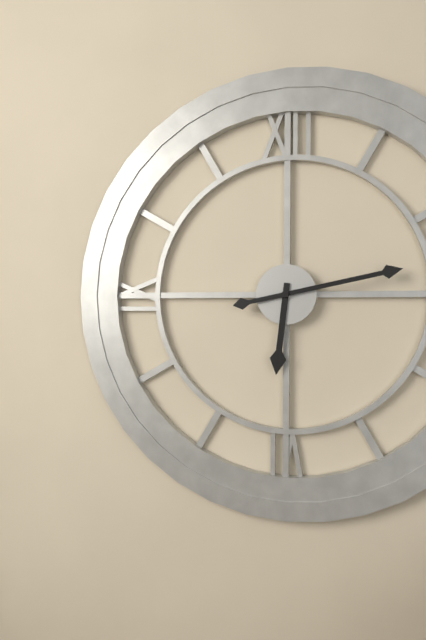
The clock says 6,13
